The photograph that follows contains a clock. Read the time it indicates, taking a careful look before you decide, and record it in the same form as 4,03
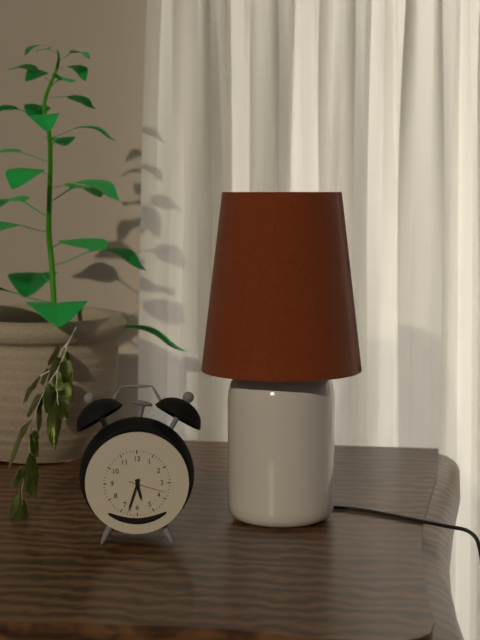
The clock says 5,33
